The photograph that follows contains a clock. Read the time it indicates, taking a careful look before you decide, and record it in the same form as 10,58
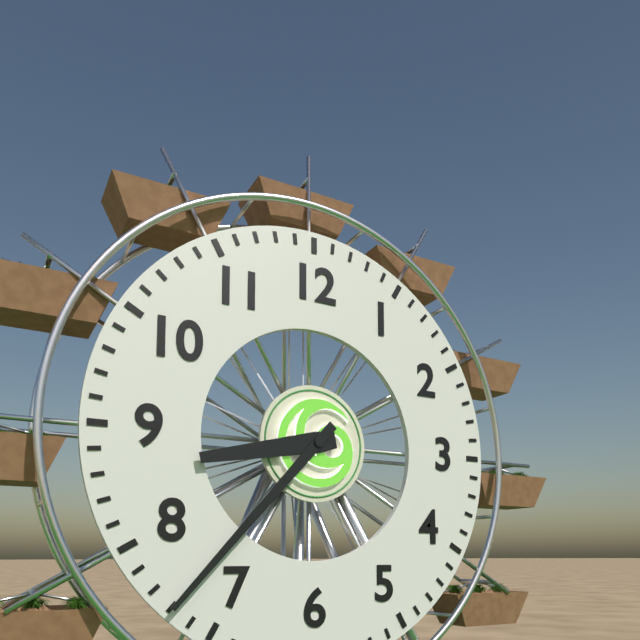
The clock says 8,37
